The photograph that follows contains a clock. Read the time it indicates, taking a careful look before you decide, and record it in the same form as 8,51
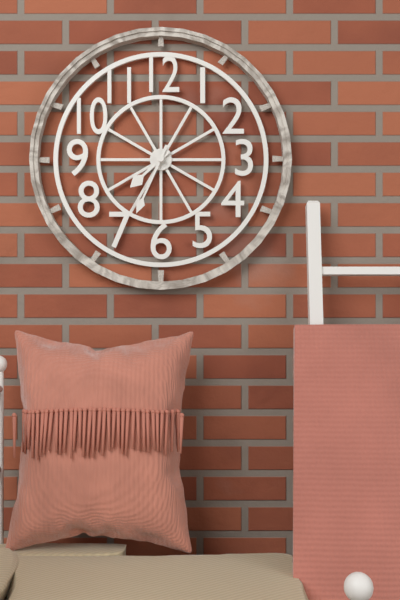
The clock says 7,34
